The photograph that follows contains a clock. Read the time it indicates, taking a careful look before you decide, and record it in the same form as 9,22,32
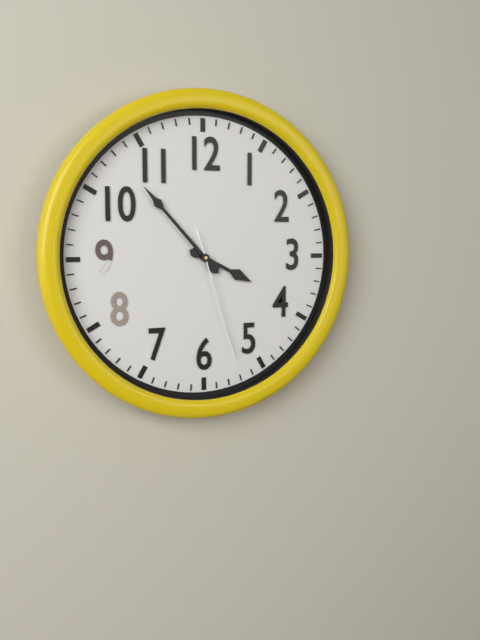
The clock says 3,53,27
